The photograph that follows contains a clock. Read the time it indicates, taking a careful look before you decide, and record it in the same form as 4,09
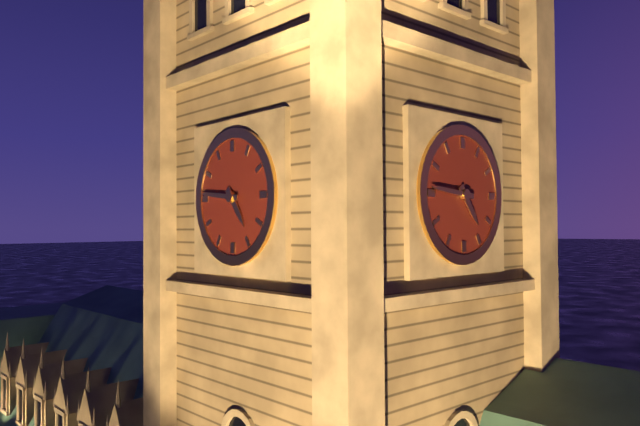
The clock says 4,46
